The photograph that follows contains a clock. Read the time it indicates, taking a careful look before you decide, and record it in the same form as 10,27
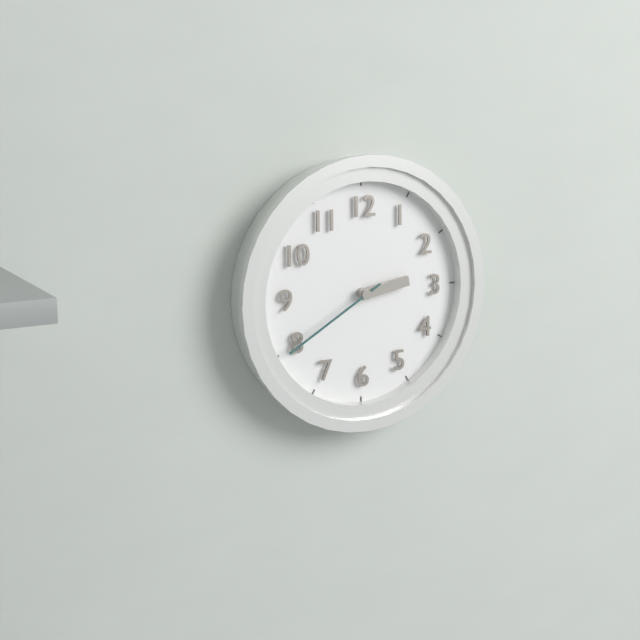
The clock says 2,40
